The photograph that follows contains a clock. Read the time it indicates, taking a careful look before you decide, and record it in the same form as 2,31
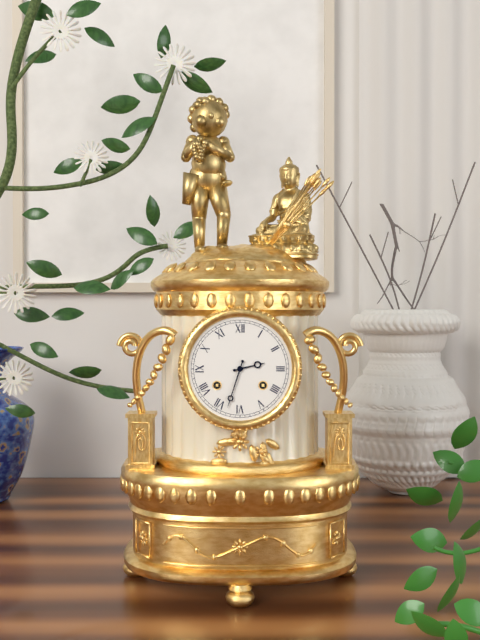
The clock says 2,33
